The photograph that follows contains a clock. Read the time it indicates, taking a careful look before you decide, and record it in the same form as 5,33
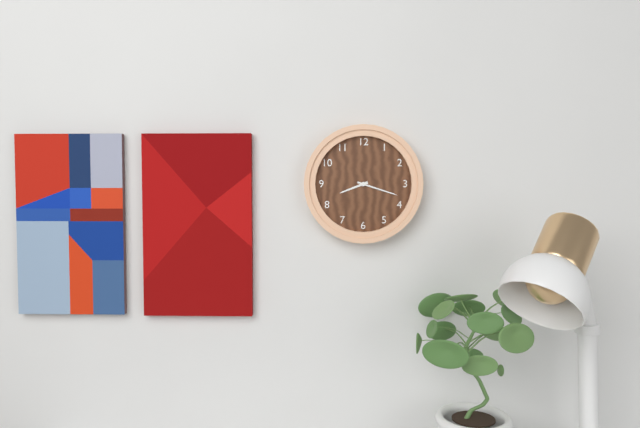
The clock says 8,18
